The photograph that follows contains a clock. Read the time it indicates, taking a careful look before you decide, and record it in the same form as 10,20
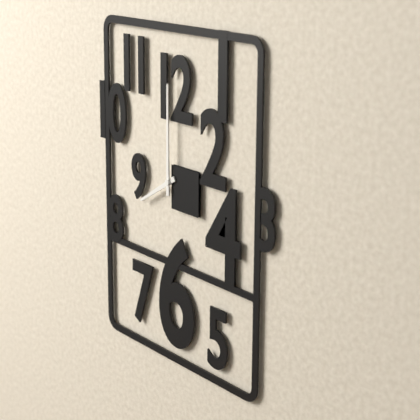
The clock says 8,00
